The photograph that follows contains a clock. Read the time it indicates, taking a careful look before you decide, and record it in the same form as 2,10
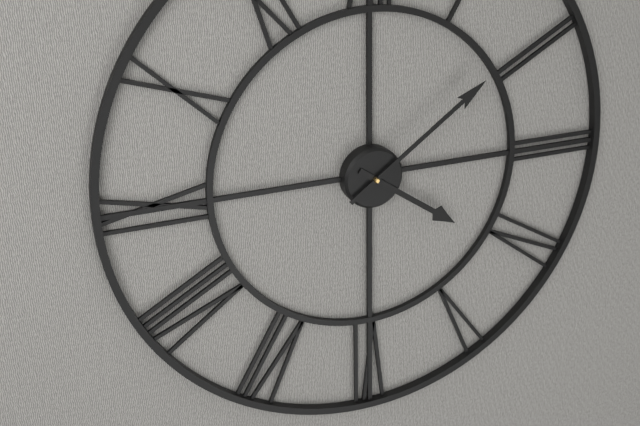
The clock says 4,09
